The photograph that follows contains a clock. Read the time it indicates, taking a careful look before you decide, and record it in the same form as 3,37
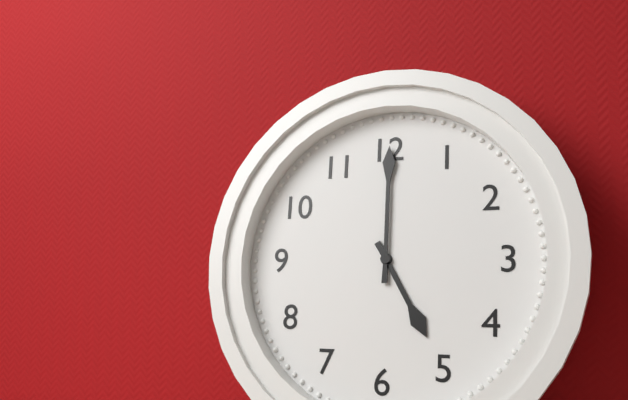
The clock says 5,00
